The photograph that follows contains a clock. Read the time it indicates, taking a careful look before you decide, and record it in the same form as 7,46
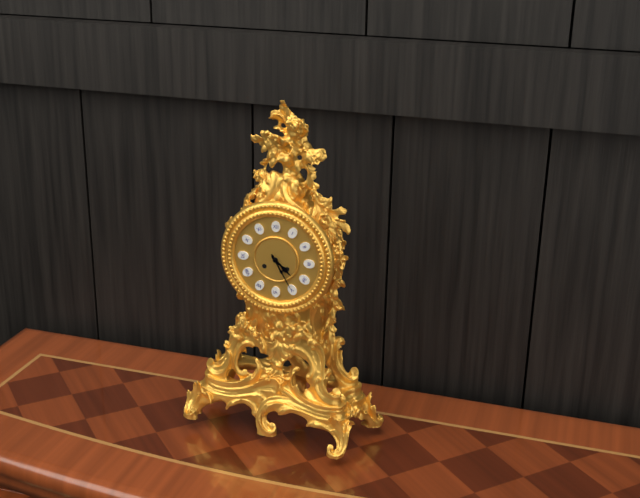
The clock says 4,25
